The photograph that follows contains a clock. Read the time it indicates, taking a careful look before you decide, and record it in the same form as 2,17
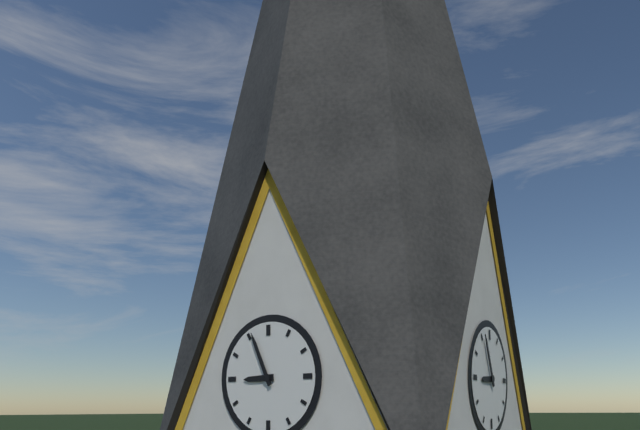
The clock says 8,56
